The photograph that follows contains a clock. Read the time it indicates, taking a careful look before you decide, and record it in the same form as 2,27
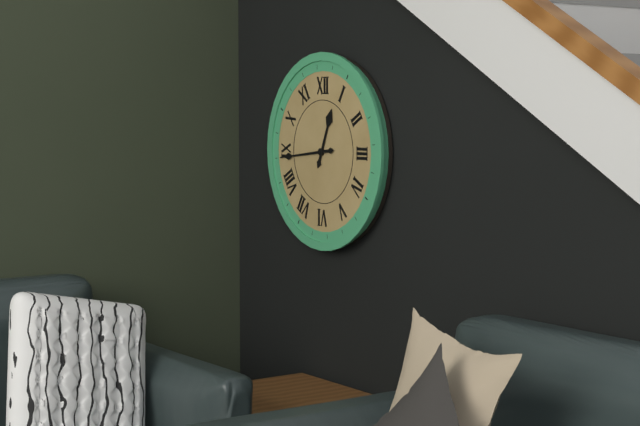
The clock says 12,44
